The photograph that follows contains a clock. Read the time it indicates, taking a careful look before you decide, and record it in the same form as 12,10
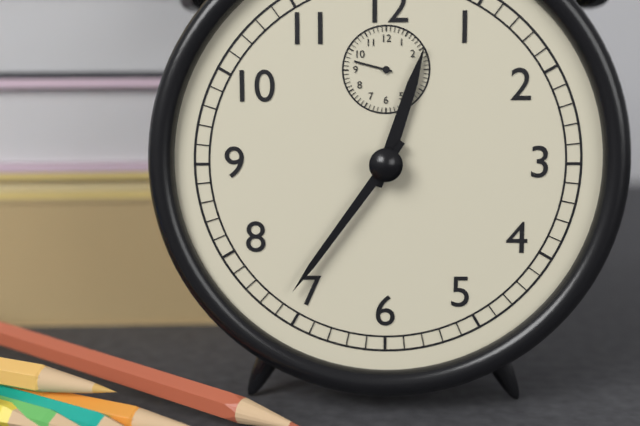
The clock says 12,36
